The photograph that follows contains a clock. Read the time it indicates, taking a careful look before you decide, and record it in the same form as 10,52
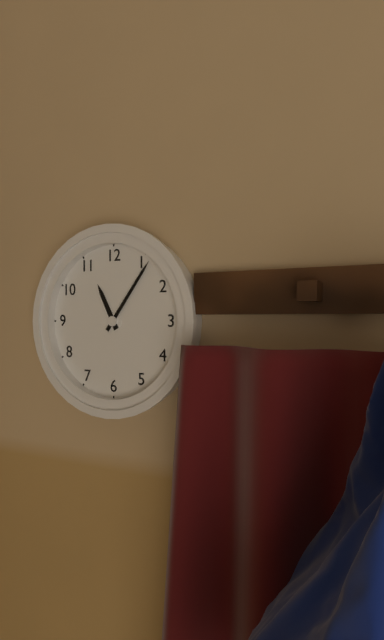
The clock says 11,06
